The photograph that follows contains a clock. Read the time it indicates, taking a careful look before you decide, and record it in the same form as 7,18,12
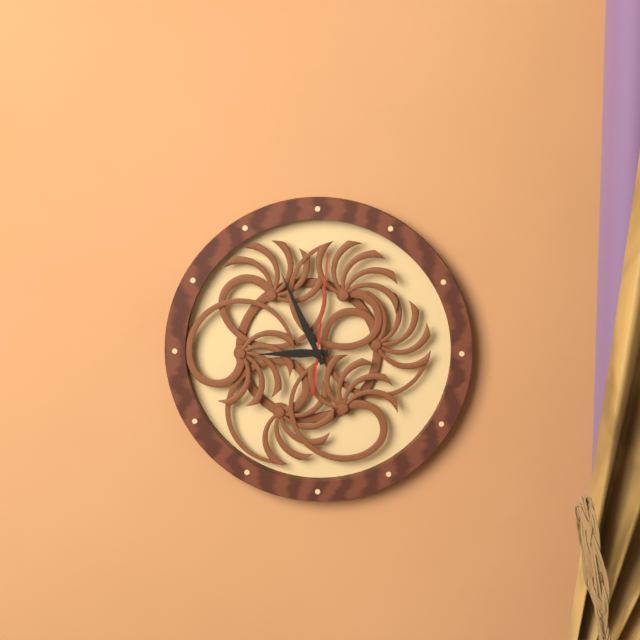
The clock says 8,56,01
